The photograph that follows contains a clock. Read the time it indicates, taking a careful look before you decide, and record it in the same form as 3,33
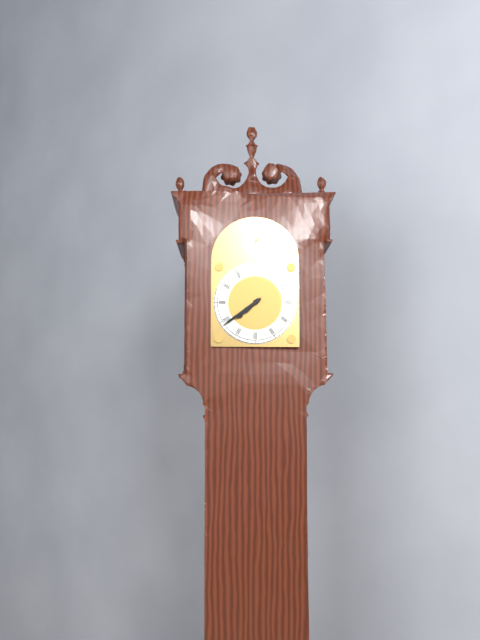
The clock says 7,39
